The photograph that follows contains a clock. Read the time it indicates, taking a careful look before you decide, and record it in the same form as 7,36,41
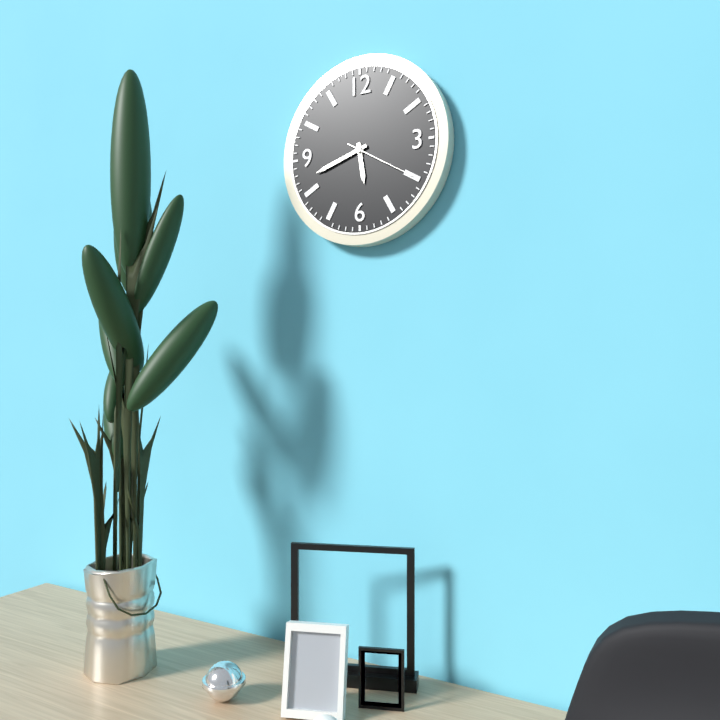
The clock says 5,42,20
